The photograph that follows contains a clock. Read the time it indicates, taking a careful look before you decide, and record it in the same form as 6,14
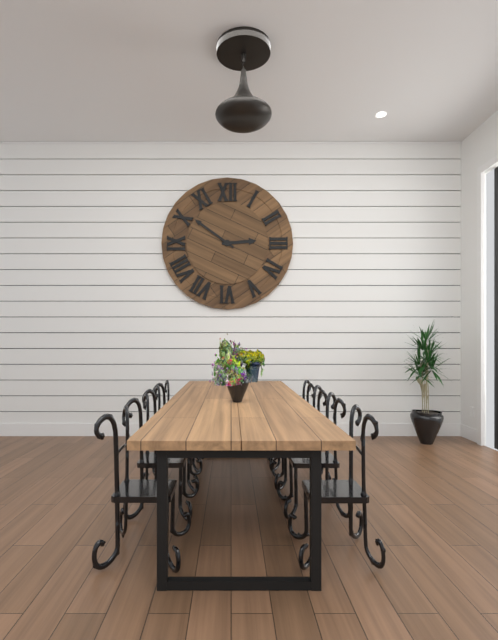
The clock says 2,51
